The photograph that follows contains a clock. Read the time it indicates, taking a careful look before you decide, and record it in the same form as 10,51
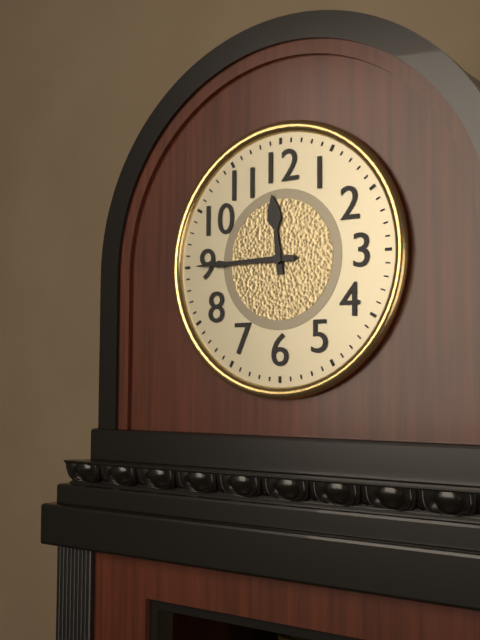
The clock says 11,45
